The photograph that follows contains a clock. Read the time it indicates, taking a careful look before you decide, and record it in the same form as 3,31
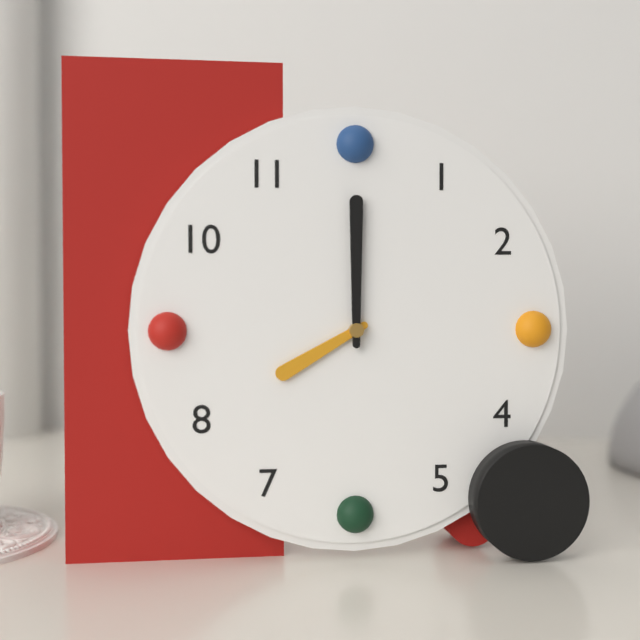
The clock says 8,00
